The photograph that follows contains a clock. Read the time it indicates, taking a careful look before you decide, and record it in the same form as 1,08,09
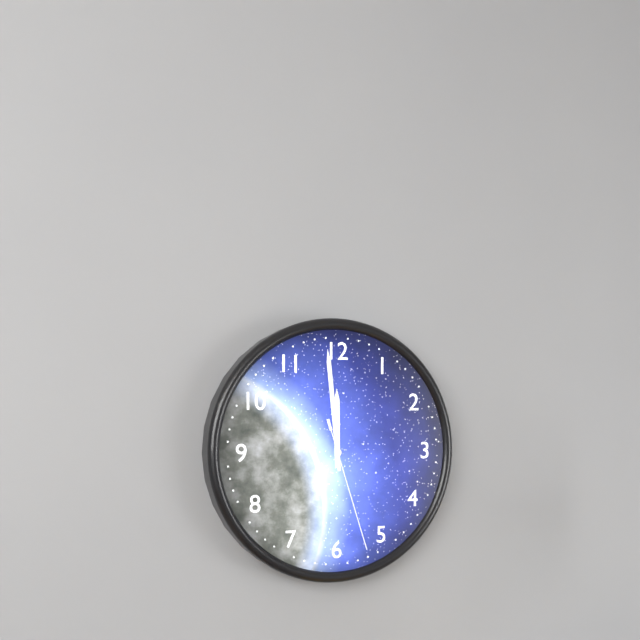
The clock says 11,59,27
